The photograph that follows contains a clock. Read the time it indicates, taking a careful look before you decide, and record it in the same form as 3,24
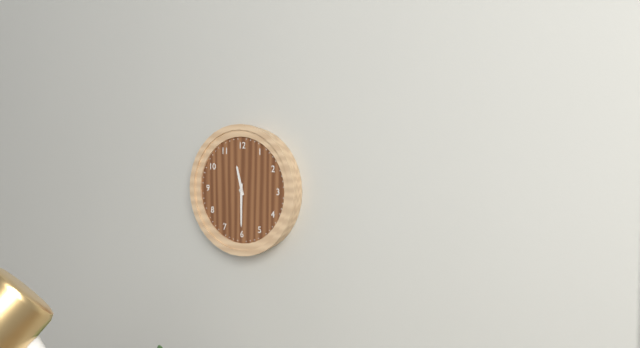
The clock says 11,30
